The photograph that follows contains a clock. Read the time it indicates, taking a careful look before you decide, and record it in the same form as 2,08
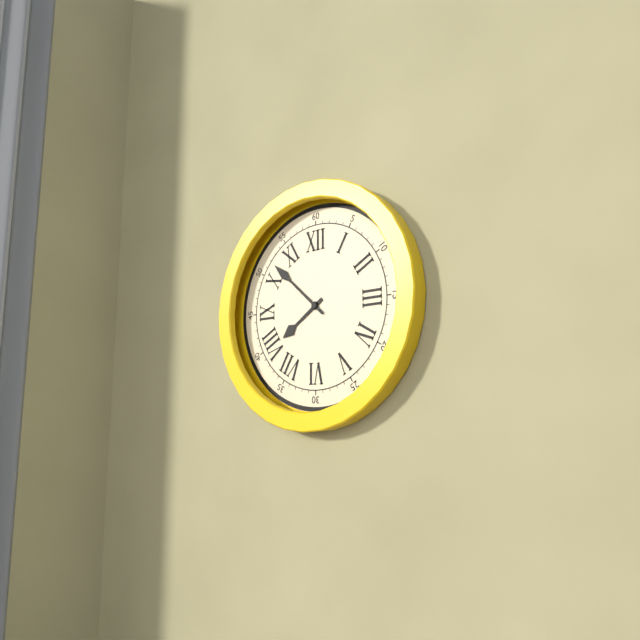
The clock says 7,52
